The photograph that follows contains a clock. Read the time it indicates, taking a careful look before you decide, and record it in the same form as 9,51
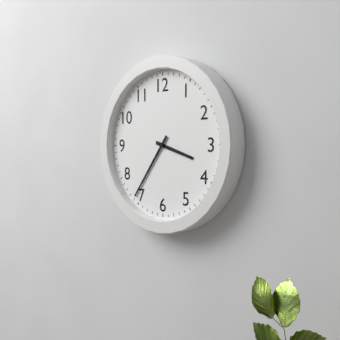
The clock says 3,36
